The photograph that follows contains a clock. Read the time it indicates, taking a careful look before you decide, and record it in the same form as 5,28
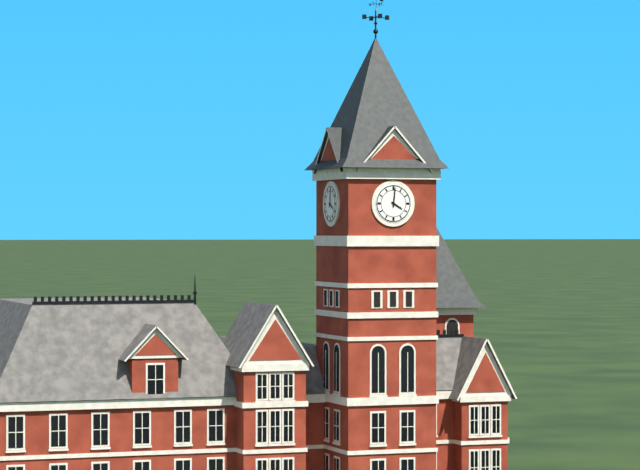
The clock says 4,01
